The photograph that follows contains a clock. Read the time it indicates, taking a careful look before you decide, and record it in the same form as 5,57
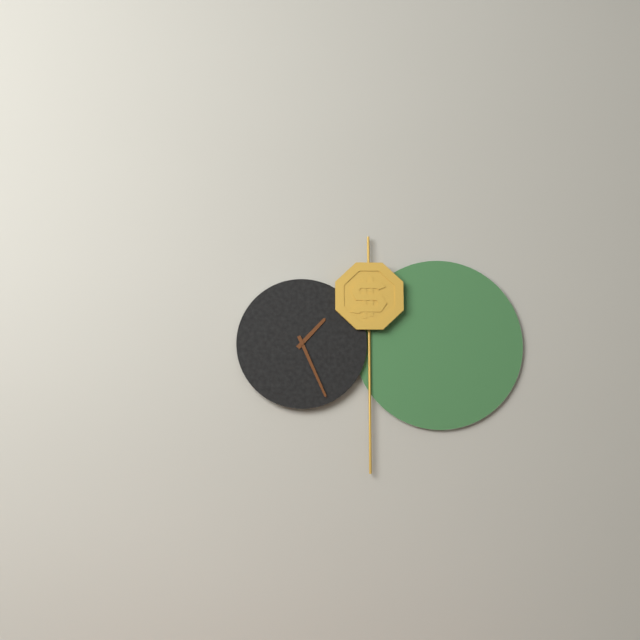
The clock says 1,26
